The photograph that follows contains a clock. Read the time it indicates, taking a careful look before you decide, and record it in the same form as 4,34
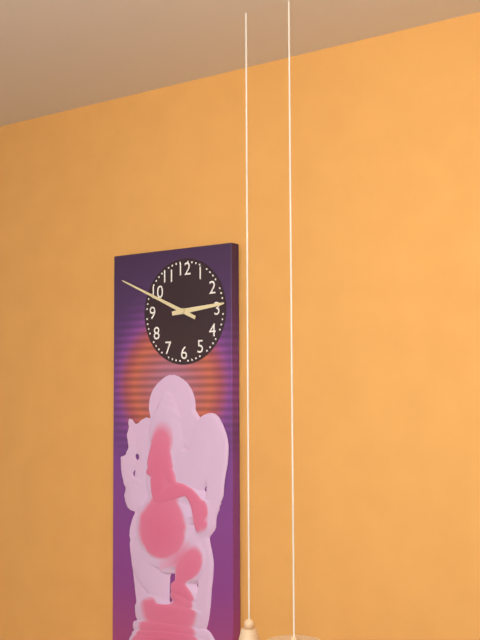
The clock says 2,49
